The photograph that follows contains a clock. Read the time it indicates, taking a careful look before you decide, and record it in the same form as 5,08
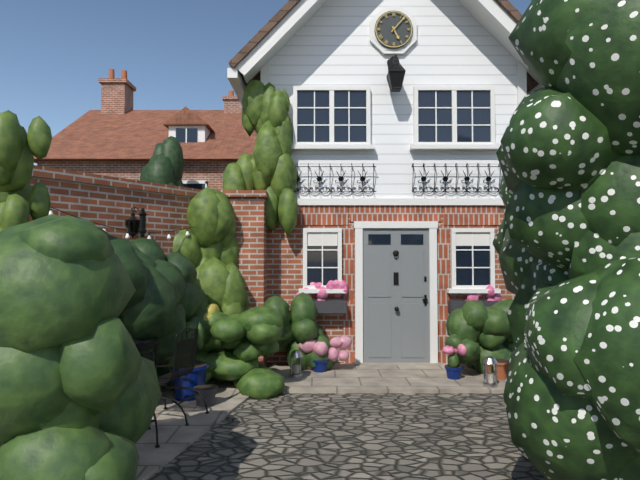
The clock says 5,07
